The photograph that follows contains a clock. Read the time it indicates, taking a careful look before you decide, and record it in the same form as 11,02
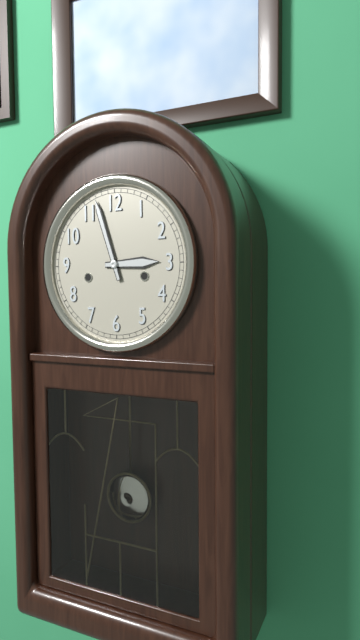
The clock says 2,57
